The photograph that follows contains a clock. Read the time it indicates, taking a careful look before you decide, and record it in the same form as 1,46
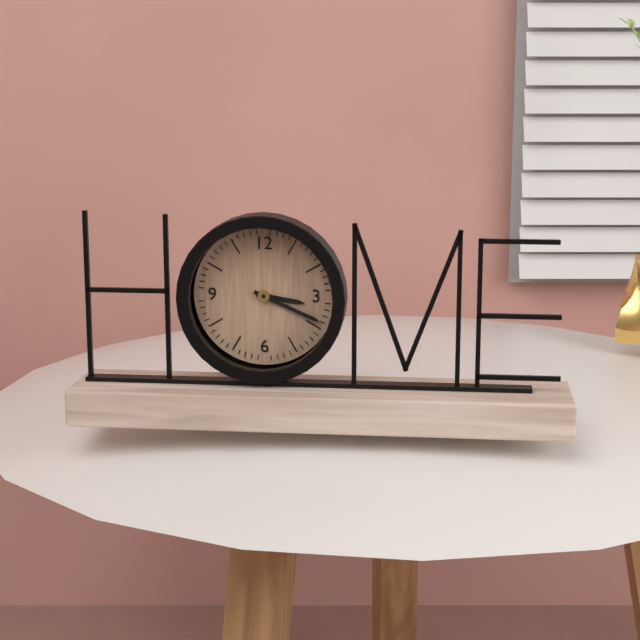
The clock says 3,19
